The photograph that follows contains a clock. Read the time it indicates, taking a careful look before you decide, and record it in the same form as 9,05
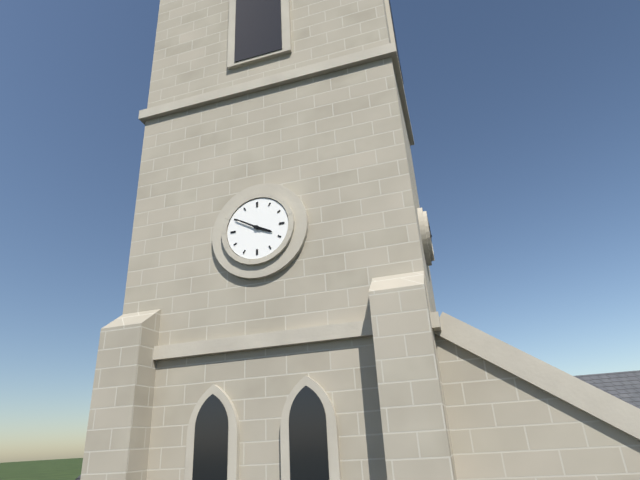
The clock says 3,50
